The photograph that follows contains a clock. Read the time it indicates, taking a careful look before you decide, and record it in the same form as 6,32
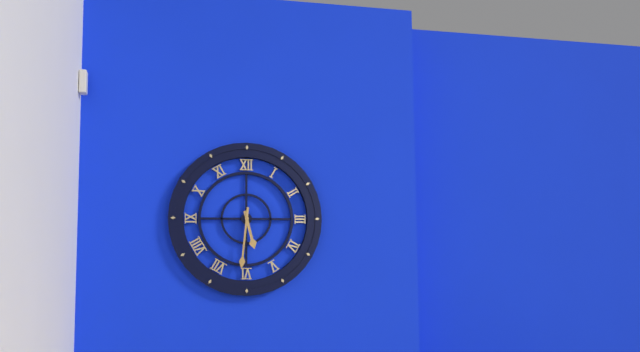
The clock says 5,31
